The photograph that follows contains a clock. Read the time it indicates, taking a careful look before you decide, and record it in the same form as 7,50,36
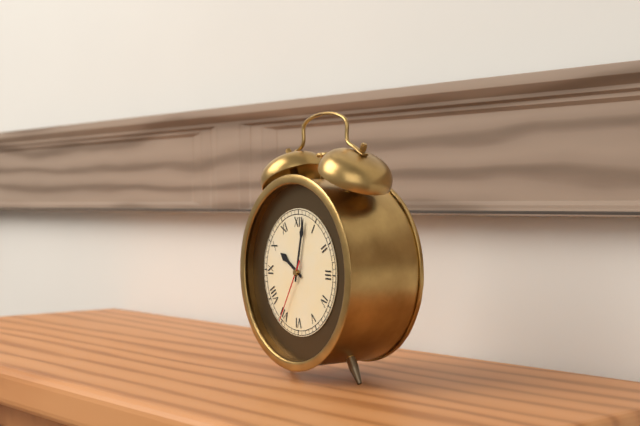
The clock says 10,02,35
